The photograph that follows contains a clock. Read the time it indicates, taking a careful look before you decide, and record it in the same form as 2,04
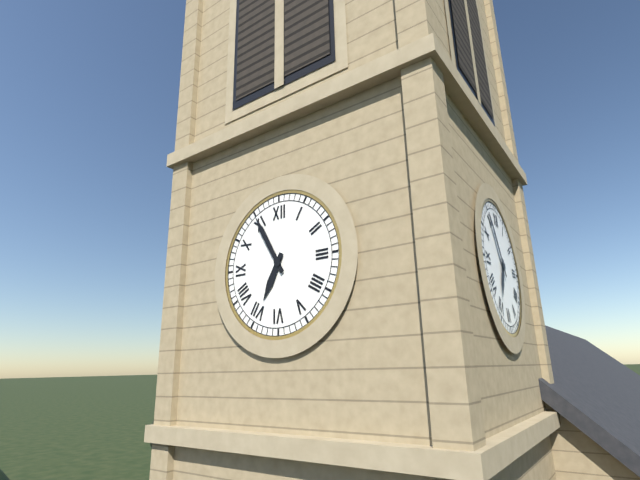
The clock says 6,55
